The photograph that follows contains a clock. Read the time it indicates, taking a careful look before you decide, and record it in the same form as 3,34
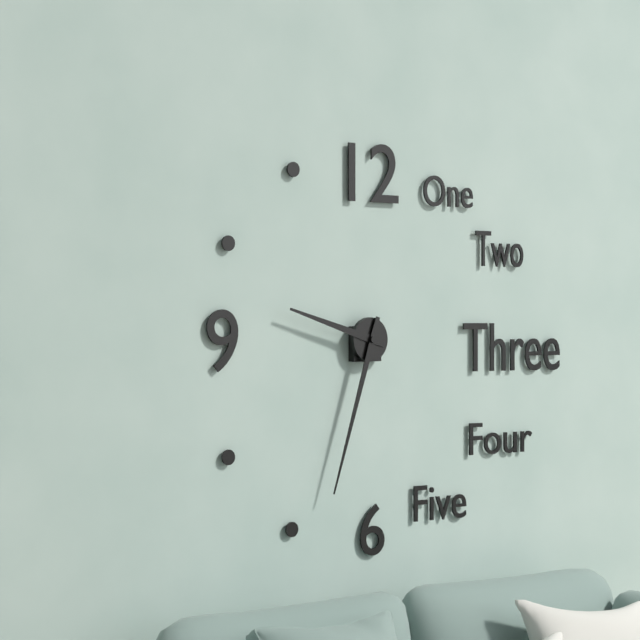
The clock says 9,33
